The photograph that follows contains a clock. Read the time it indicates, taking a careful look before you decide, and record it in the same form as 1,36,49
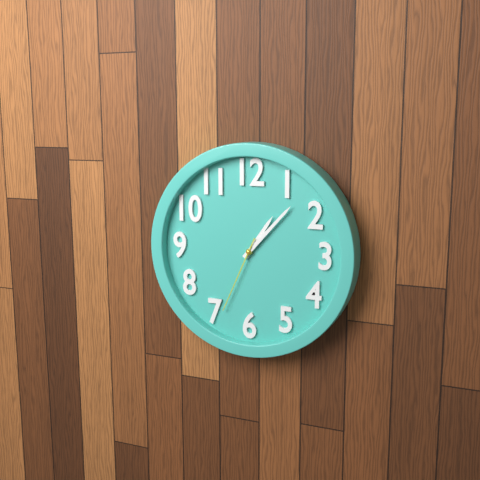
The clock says 1,07,34
